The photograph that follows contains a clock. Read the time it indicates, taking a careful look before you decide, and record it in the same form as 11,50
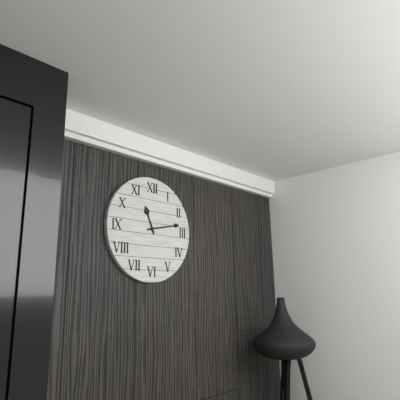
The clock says 11,13
